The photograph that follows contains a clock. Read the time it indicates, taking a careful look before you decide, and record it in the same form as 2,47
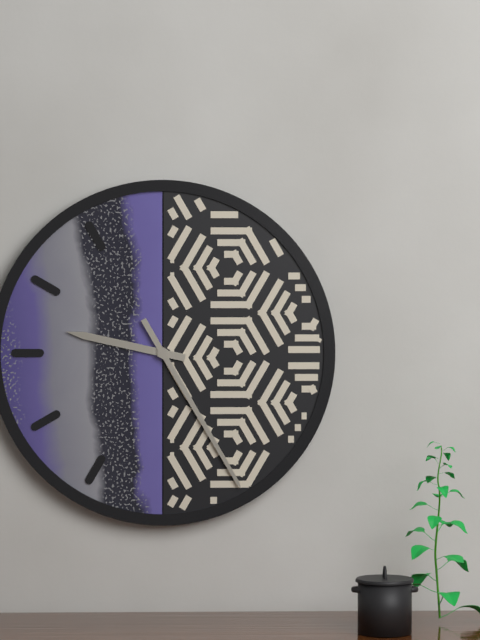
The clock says 9,25
